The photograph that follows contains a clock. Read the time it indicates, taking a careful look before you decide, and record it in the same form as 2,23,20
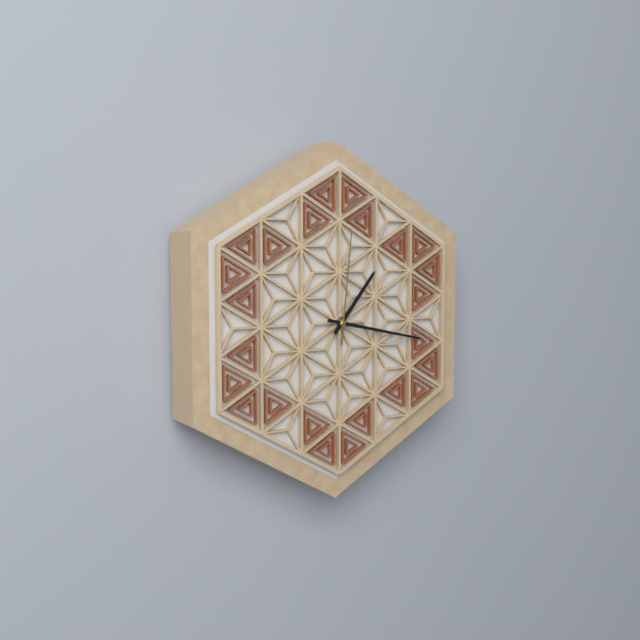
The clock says 1,17,01
